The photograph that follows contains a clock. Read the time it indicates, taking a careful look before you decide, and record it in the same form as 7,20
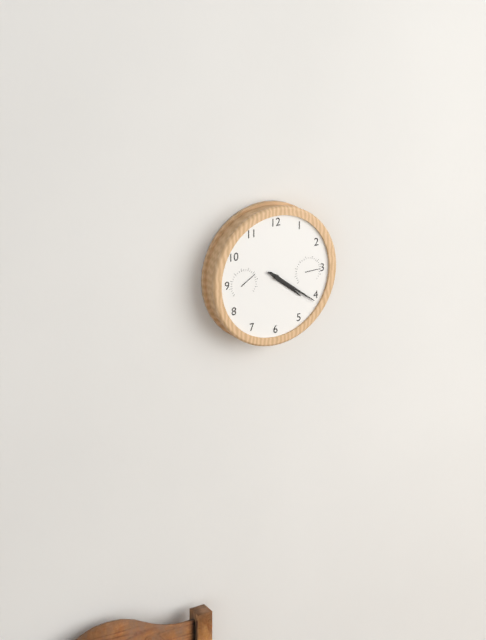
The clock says 4,21
